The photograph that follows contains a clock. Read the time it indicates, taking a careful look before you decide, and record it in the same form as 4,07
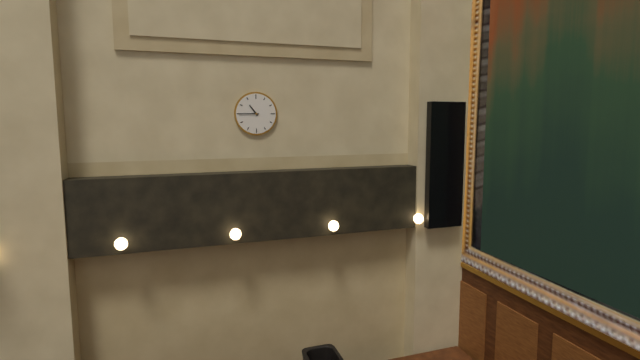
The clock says 10,45
